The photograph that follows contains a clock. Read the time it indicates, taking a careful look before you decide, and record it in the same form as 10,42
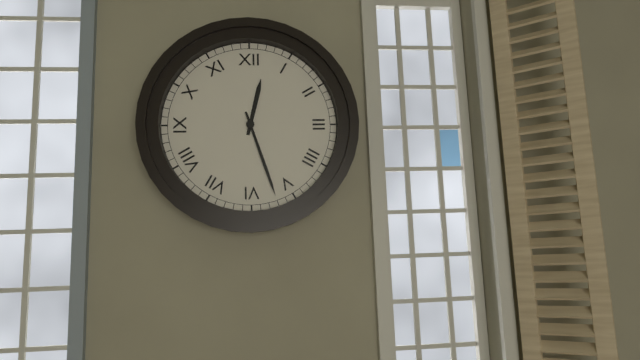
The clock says 12,27
